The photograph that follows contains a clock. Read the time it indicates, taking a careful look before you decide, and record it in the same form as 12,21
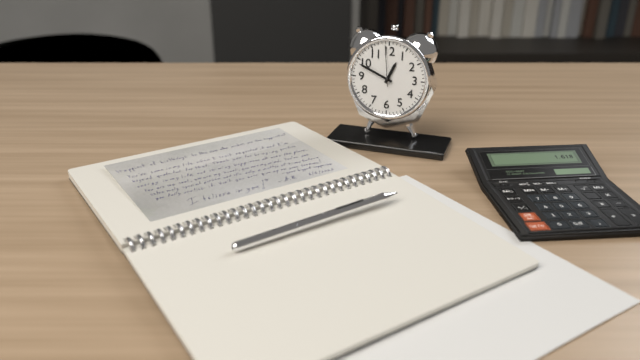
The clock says 12,49
